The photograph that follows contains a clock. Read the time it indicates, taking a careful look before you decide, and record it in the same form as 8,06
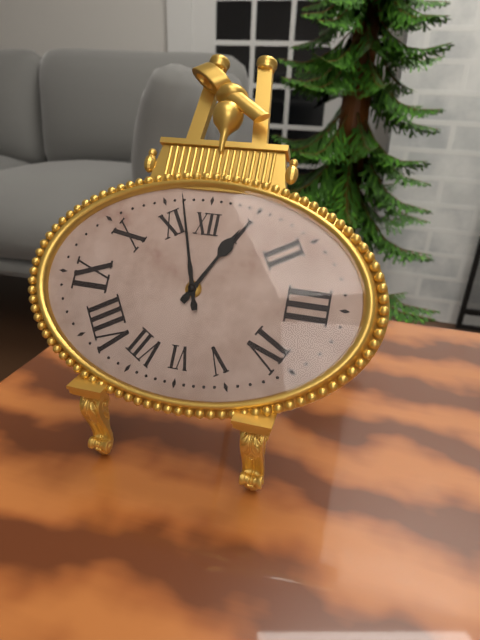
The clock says 12,57
